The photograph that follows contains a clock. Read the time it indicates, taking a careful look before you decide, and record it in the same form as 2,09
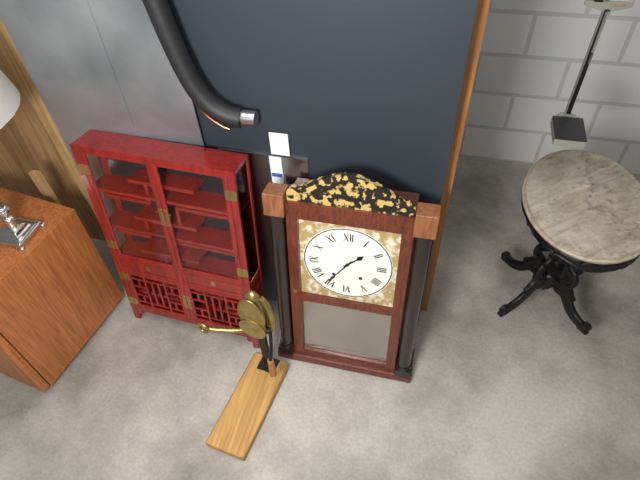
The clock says 1,36
